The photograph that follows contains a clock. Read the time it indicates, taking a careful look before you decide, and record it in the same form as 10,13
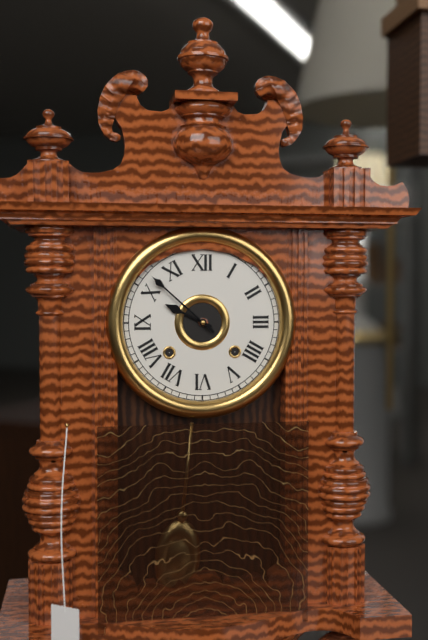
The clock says 9,52
